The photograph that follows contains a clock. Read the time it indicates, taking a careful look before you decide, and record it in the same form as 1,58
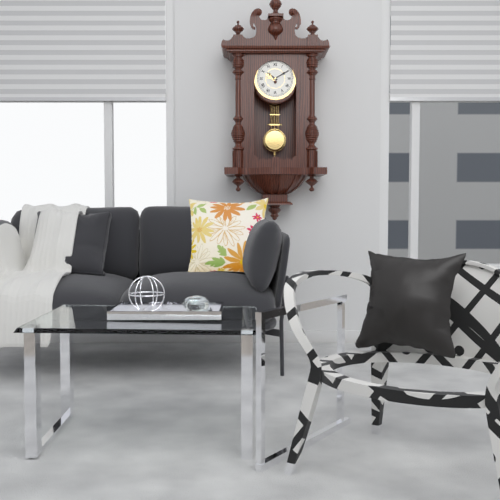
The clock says 10,10
